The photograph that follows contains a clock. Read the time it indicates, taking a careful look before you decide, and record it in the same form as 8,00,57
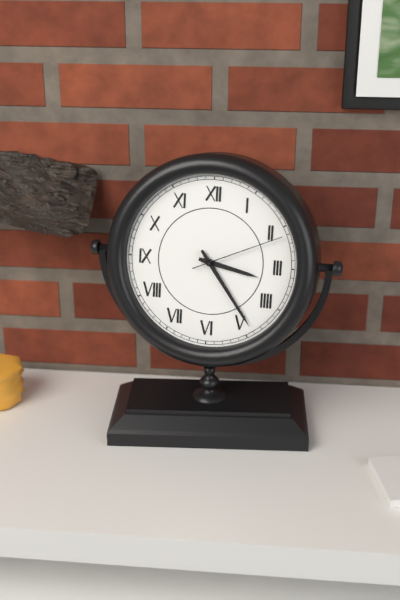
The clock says 3,24,11
